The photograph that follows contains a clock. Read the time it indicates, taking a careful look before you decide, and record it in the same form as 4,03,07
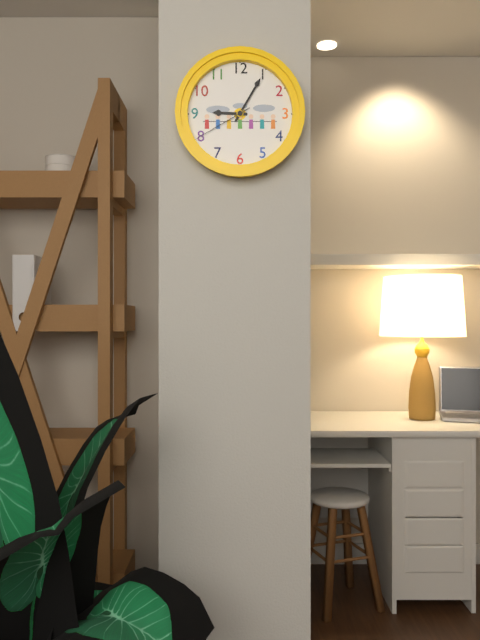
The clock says 9,05,40
